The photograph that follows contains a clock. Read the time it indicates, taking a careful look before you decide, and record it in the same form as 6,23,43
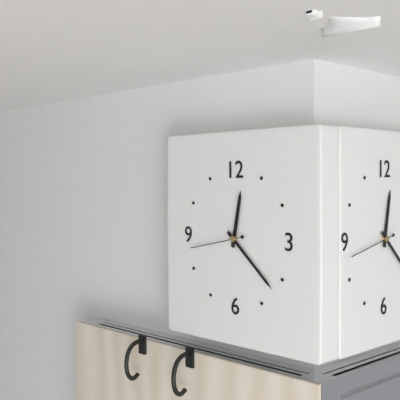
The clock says 12,22,43
